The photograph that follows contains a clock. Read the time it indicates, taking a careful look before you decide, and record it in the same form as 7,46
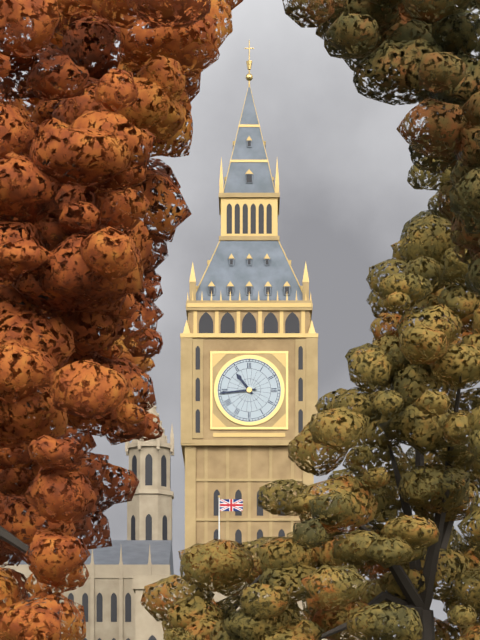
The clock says 10,44
